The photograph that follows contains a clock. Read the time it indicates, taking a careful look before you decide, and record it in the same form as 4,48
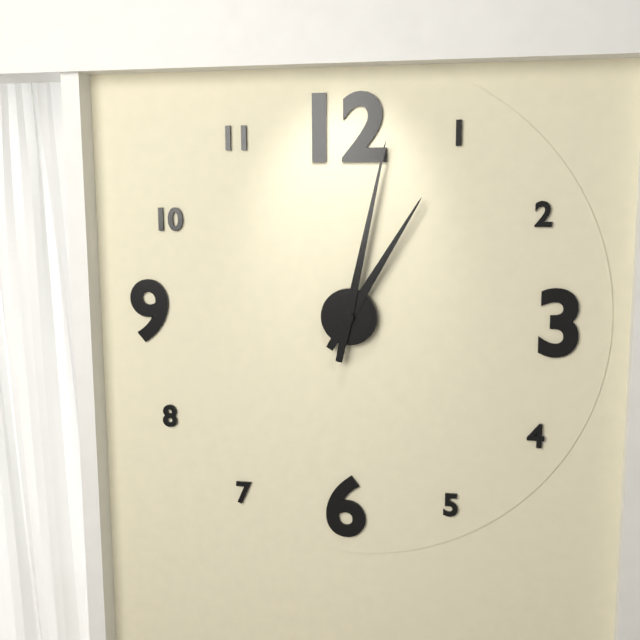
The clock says 1,02
